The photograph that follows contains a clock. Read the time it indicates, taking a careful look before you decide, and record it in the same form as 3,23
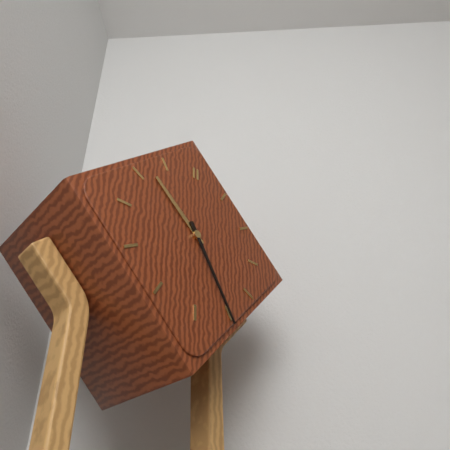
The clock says 10,25
